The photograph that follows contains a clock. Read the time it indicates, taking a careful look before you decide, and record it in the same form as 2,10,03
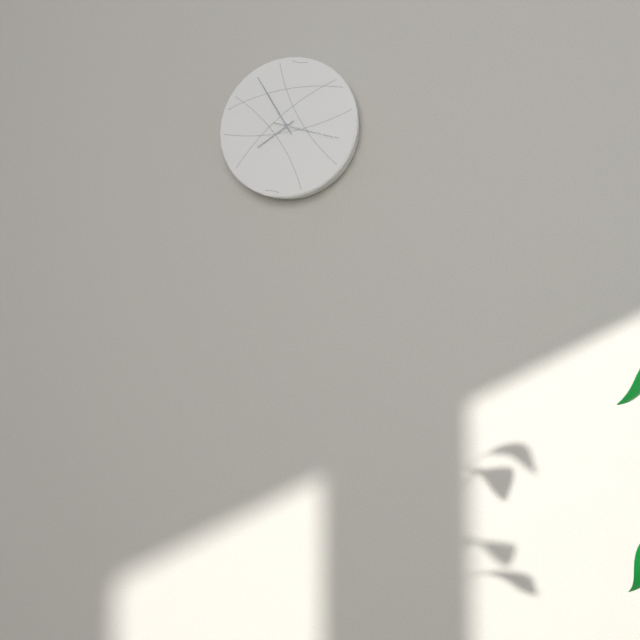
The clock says 7,55,18
